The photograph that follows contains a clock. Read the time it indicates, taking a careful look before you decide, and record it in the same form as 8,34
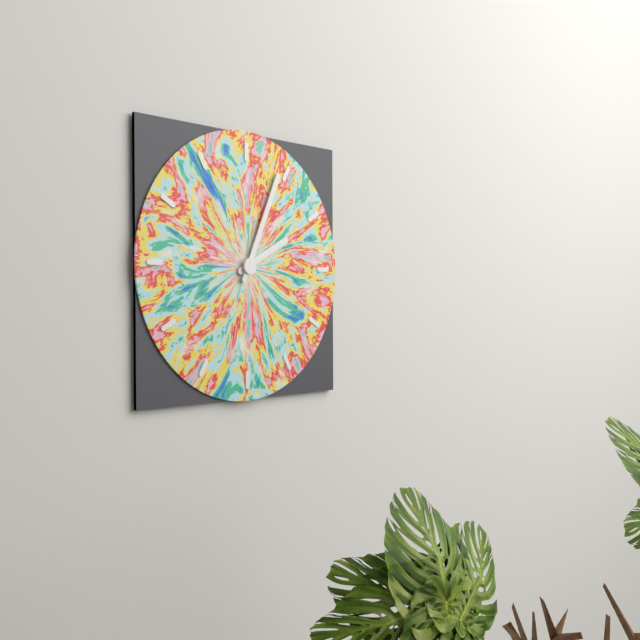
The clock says 2,04
